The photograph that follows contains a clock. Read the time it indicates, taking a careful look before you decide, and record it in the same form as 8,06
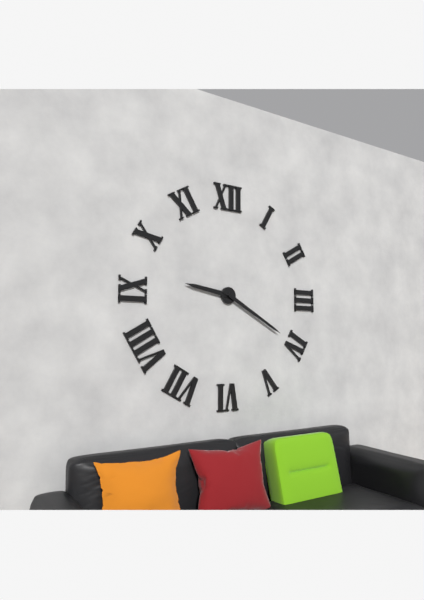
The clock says 9,20
